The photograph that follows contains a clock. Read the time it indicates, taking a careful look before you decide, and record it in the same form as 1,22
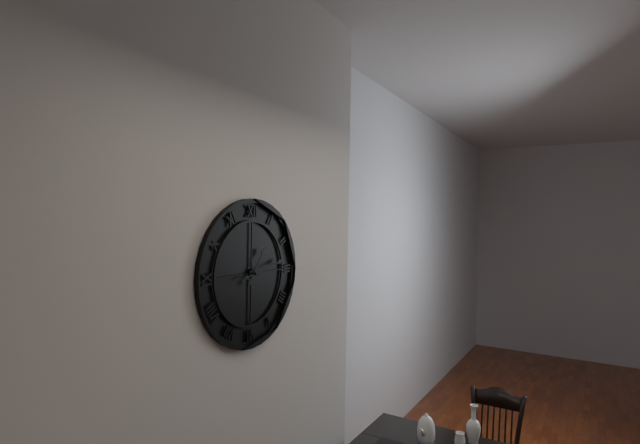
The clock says 1,13
